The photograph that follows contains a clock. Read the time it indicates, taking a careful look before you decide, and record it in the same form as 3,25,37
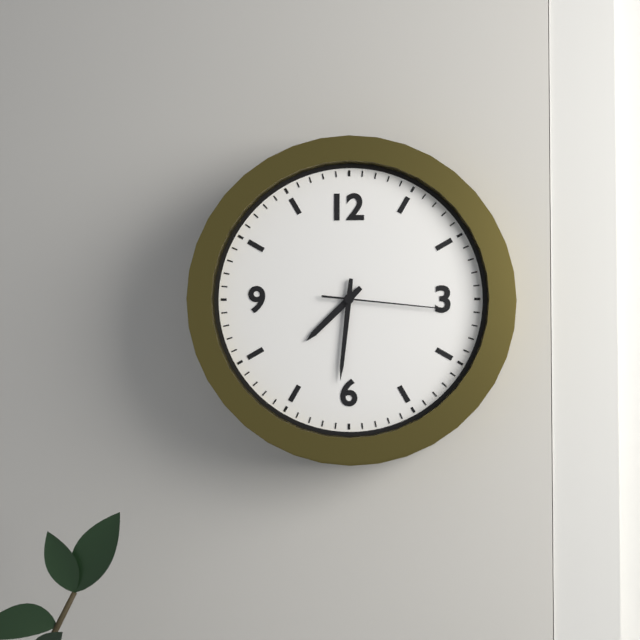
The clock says 7,31,16
